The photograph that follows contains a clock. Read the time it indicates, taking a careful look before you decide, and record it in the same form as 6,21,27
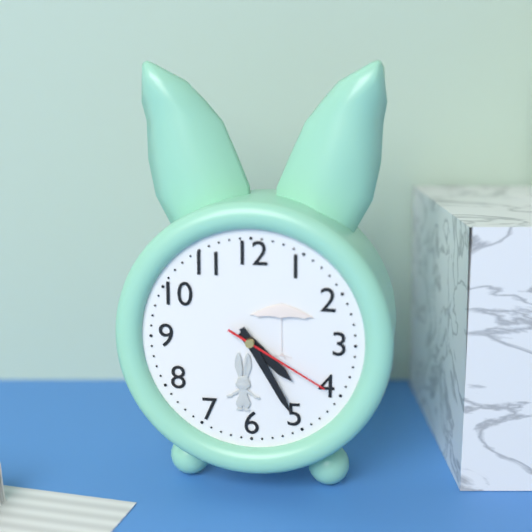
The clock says 4,25,20
